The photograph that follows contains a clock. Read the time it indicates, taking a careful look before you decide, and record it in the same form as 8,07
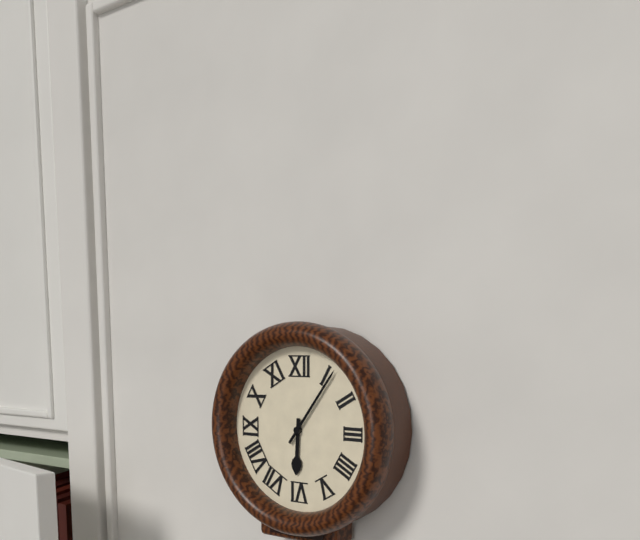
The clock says 6,06
